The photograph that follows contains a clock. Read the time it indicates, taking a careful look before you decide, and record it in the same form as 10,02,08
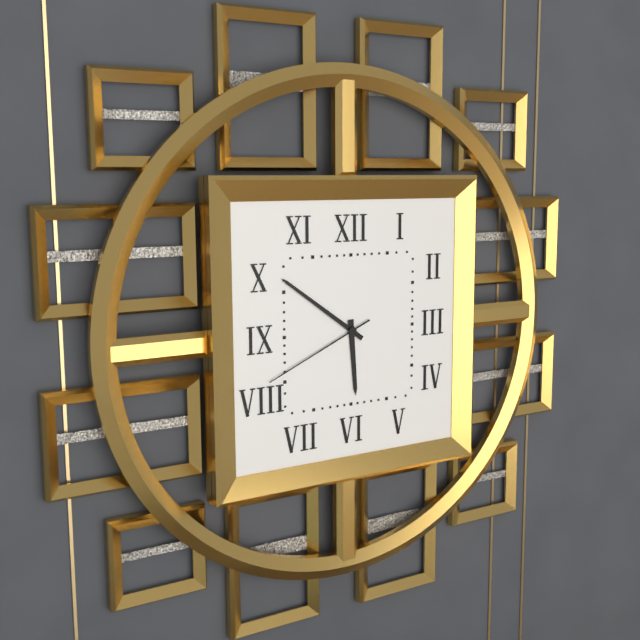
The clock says 5,51,41
